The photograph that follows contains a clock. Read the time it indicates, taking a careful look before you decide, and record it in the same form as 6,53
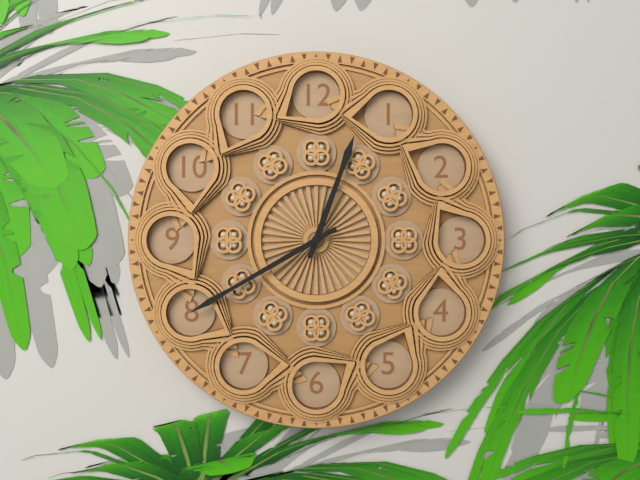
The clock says 12,40
